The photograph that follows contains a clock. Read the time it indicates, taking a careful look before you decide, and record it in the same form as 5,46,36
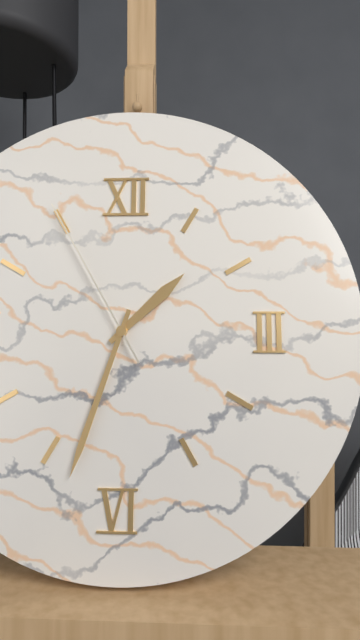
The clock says 1,33,55
